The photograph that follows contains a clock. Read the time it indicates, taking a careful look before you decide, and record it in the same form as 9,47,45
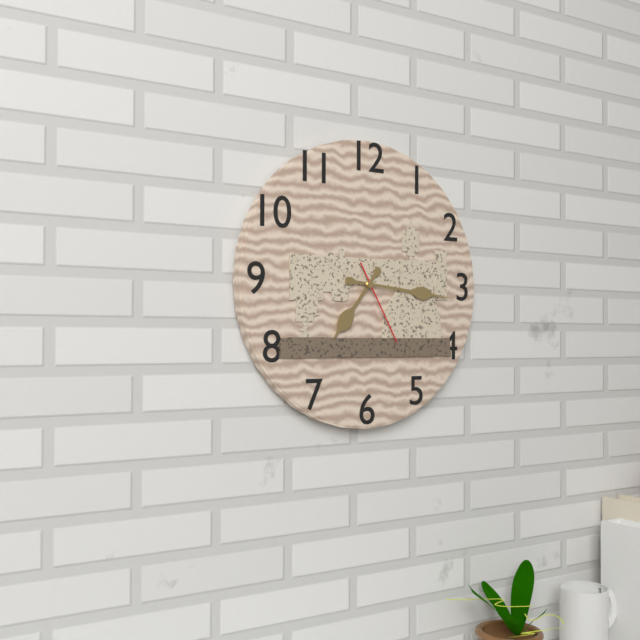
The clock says 7,16,25
